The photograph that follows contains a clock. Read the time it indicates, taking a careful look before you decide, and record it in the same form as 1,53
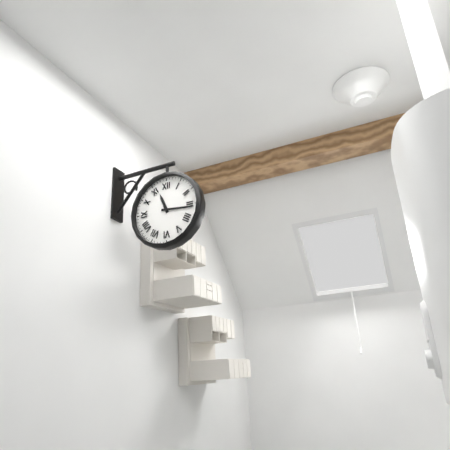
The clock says 11,16
